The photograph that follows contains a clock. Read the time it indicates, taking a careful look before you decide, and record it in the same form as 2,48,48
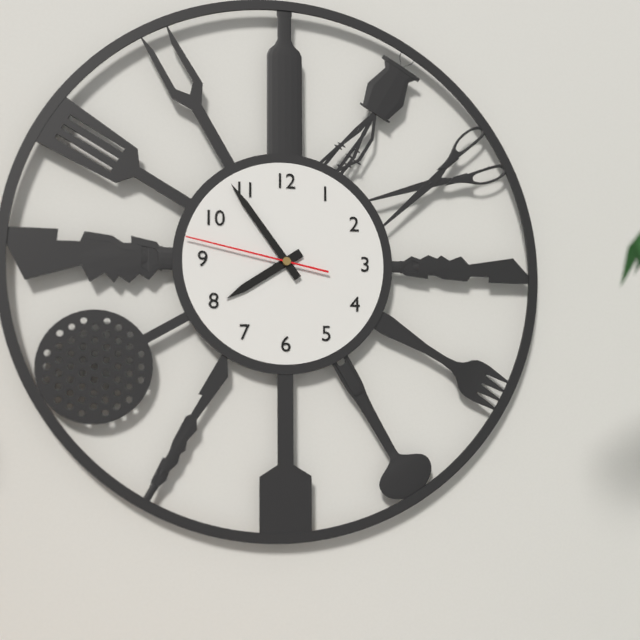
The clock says 7,54,47
